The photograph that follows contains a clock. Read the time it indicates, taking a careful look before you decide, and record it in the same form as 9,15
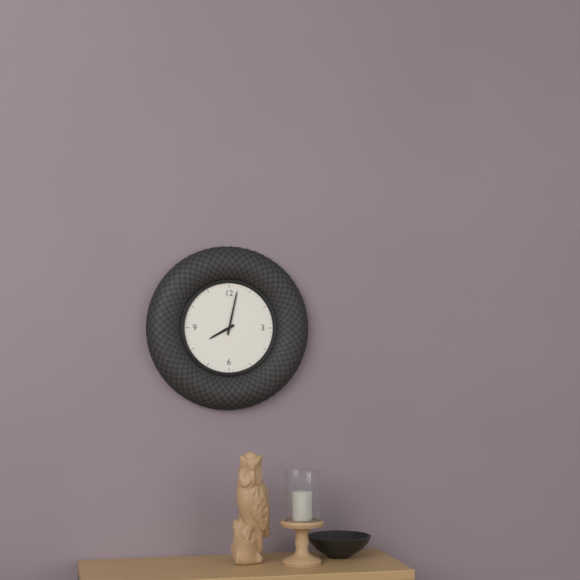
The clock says 8,02
